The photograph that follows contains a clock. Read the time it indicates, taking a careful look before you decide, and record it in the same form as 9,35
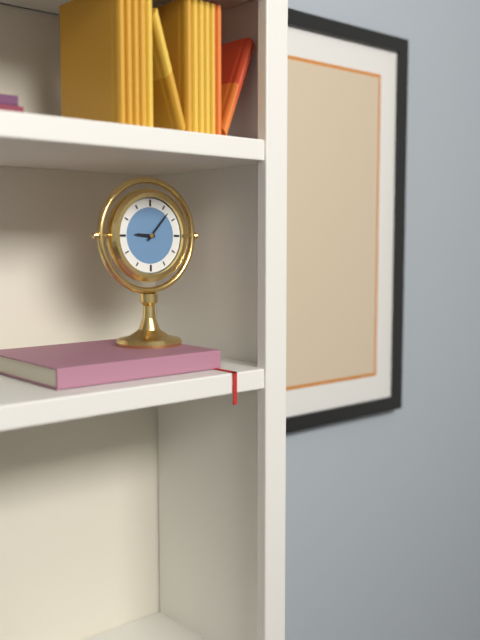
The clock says 9,07
